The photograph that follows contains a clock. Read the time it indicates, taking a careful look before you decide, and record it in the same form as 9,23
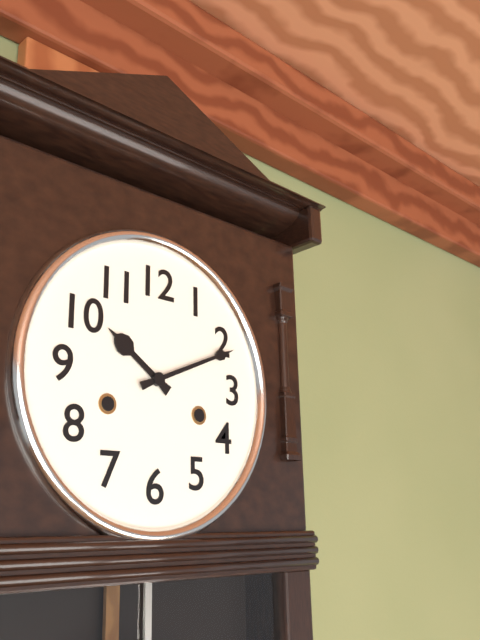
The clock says 10,11
